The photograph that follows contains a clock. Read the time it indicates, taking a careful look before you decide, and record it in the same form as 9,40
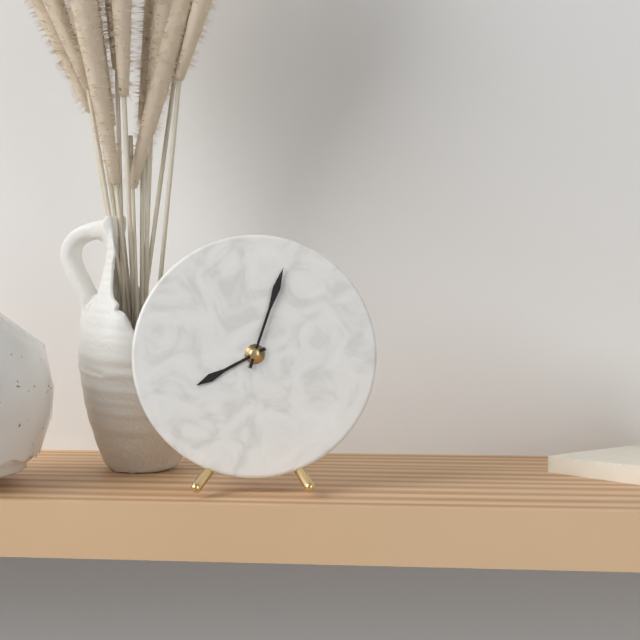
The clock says 8,03
